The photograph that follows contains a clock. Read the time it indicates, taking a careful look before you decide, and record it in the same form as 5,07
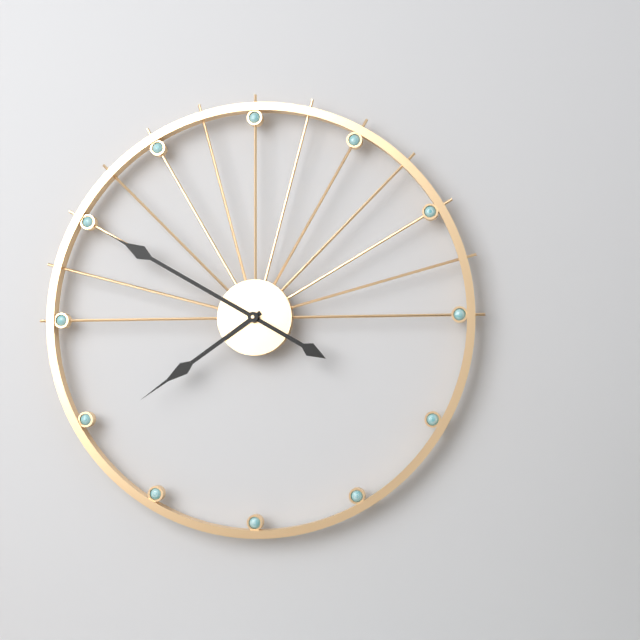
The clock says 7,50
